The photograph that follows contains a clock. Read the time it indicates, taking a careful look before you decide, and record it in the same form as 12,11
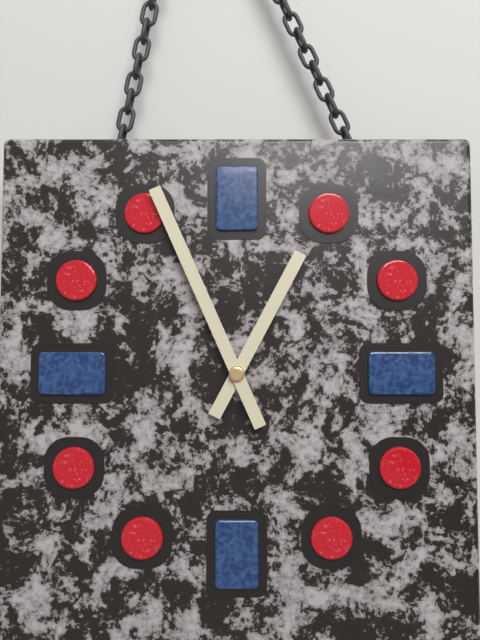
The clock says 12,56
